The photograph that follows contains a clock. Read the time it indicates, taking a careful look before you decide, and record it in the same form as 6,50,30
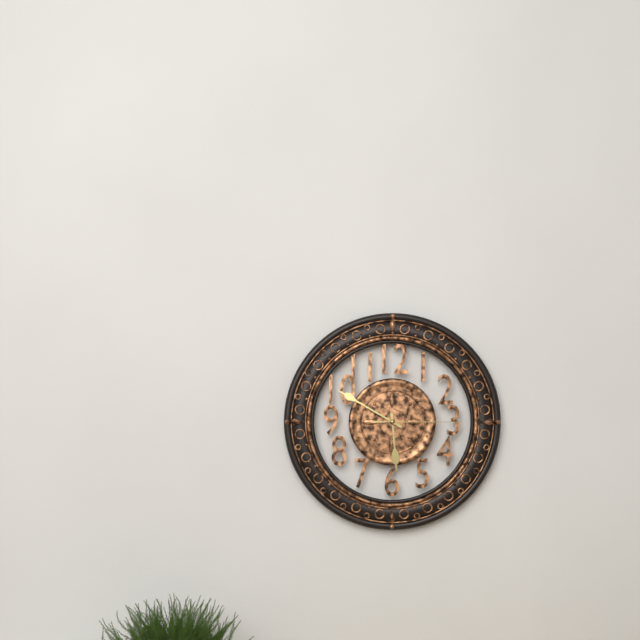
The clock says 5,50,15
